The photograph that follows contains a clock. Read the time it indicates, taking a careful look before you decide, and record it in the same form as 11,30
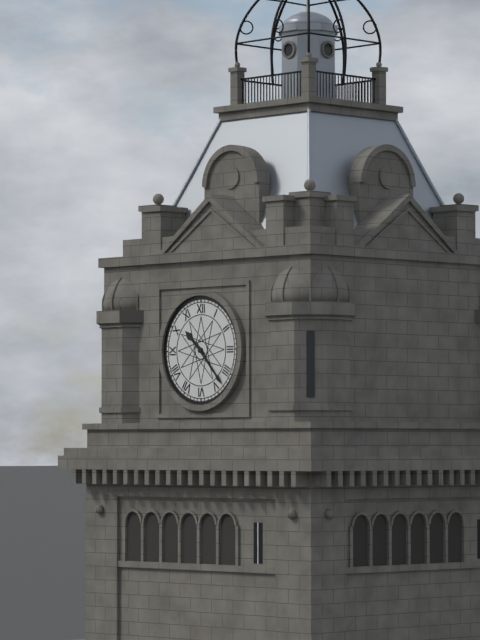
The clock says 10,23
